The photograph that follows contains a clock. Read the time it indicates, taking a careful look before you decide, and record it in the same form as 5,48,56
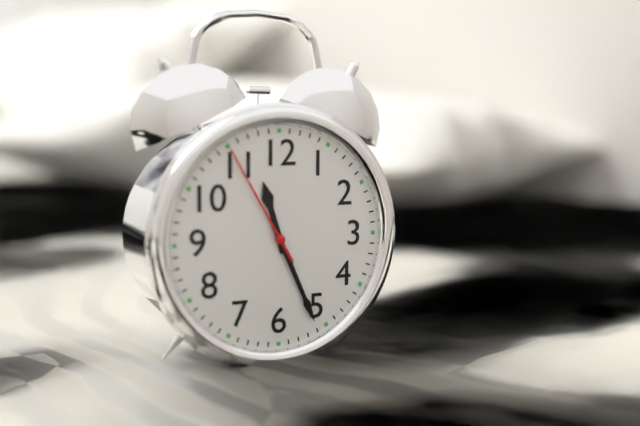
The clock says 11,26,55
